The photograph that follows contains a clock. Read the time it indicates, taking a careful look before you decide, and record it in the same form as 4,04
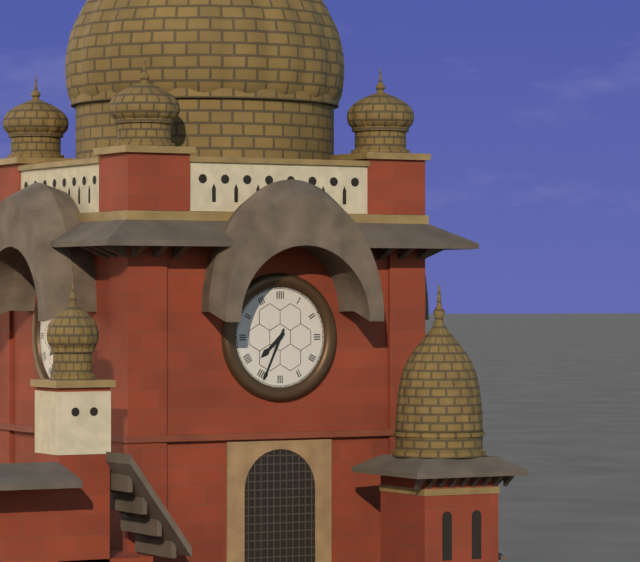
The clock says 7,34
